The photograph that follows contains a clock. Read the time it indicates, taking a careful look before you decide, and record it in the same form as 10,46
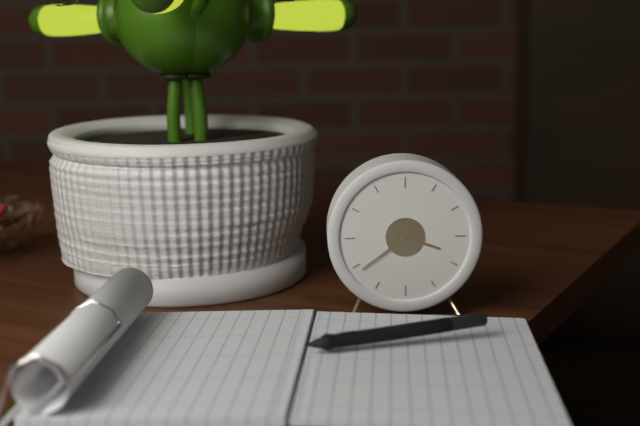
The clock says 3,39
